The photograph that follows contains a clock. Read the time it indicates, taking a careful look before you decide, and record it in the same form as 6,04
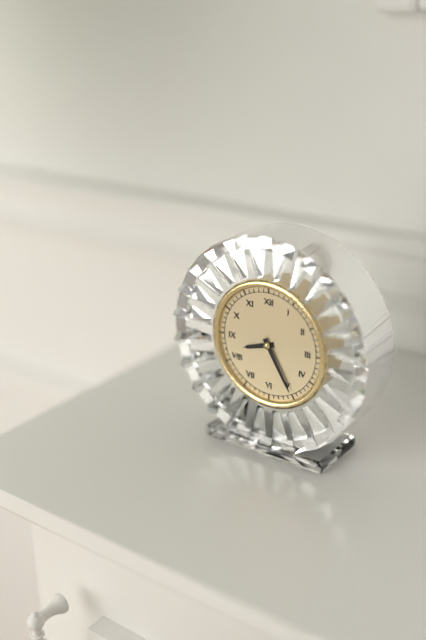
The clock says 8,25
